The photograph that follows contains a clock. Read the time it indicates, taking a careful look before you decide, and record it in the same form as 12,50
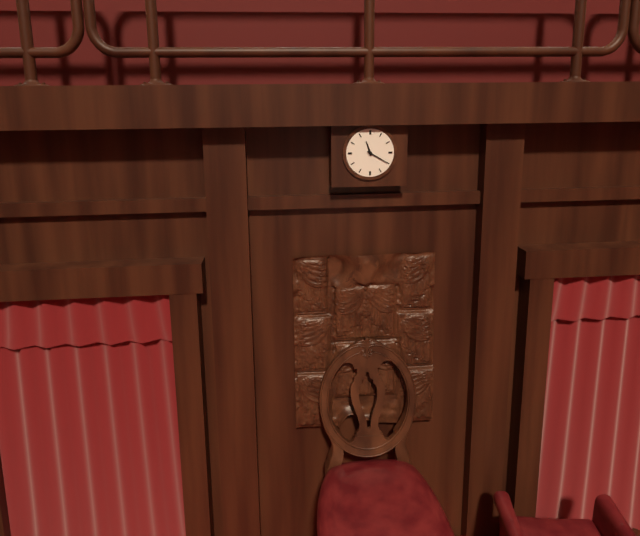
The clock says 11,20
